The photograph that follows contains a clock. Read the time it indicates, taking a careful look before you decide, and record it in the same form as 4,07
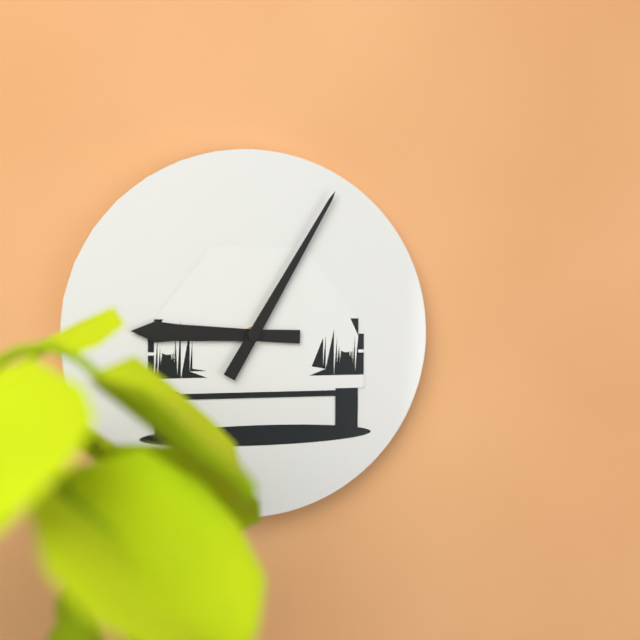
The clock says 9,05
